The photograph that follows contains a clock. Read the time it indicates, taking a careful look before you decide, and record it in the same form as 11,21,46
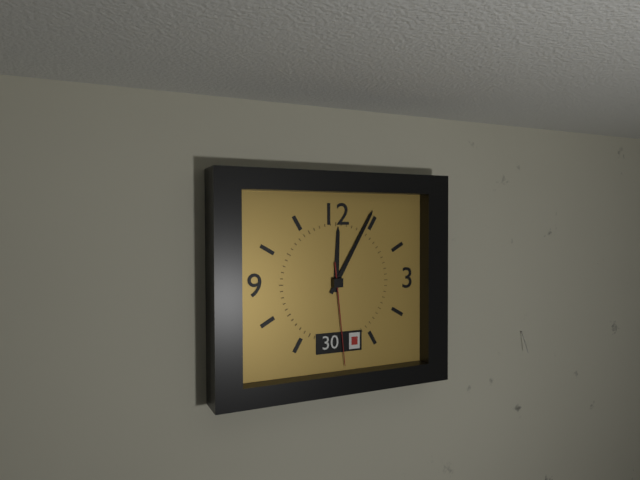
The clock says 12,05,29
